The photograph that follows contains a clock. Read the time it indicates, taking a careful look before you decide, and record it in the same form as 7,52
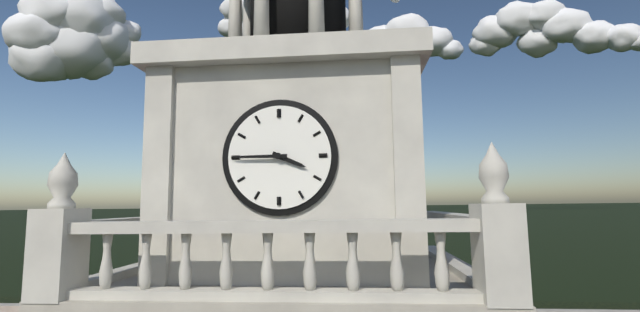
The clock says 3,45
